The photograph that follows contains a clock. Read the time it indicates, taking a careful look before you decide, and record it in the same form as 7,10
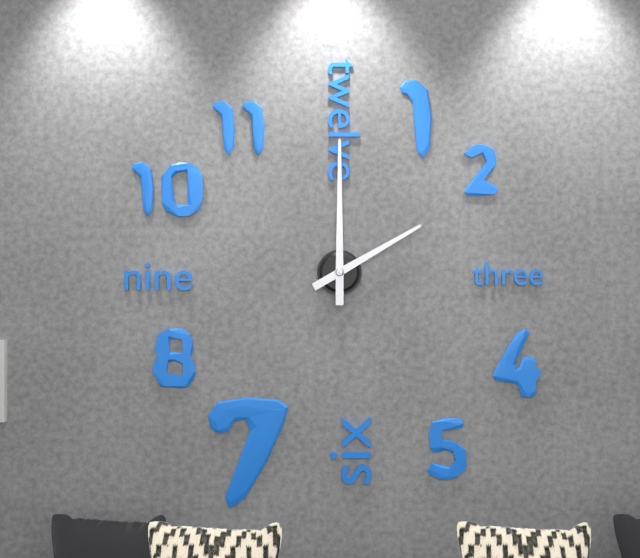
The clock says 2,00
